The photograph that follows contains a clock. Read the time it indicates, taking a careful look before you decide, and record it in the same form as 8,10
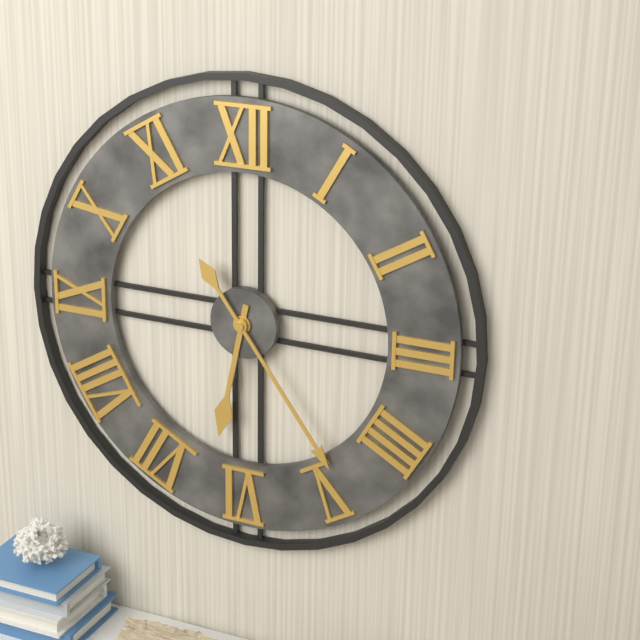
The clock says 6,24
